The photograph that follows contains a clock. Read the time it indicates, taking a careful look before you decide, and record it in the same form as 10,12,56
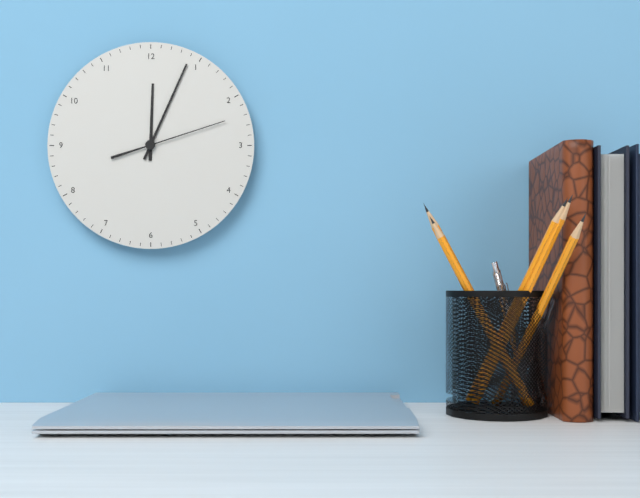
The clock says 12,04,12
